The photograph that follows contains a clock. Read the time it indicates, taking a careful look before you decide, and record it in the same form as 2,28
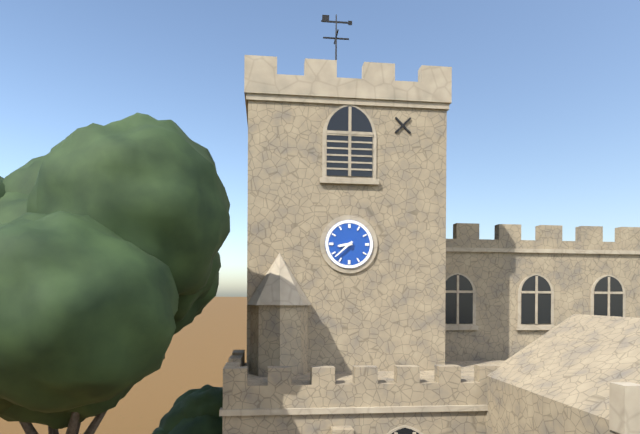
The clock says 8,38
